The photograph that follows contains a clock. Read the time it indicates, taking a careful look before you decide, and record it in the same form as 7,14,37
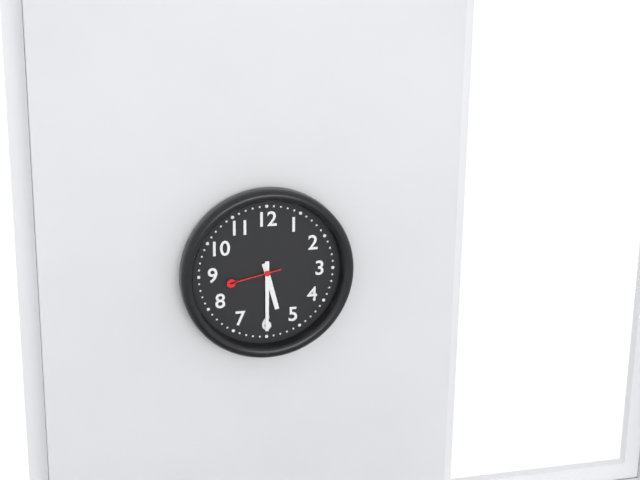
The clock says 5,30,43
